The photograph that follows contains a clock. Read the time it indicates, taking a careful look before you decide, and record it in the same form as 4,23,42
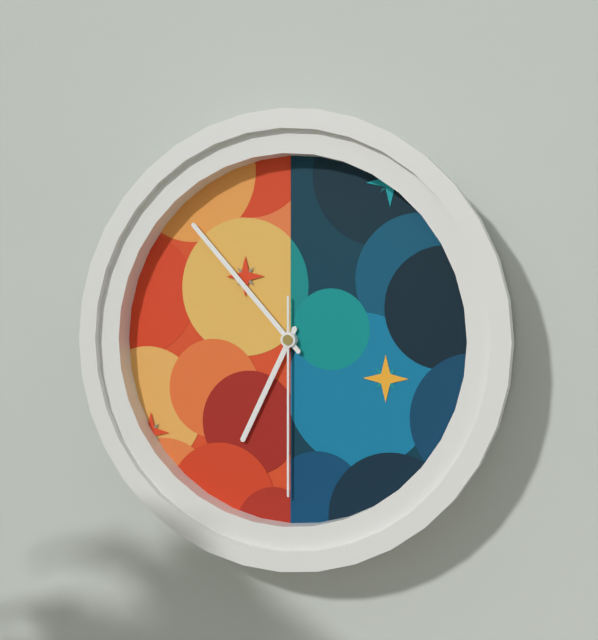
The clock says 6,53,30
